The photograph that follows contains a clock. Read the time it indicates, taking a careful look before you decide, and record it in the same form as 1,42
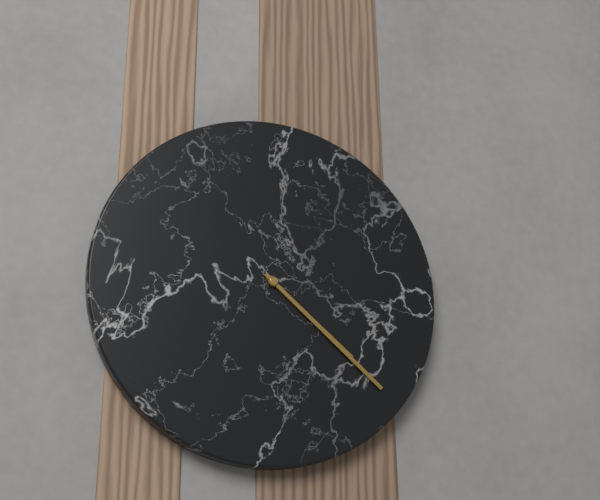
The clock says 4,22
